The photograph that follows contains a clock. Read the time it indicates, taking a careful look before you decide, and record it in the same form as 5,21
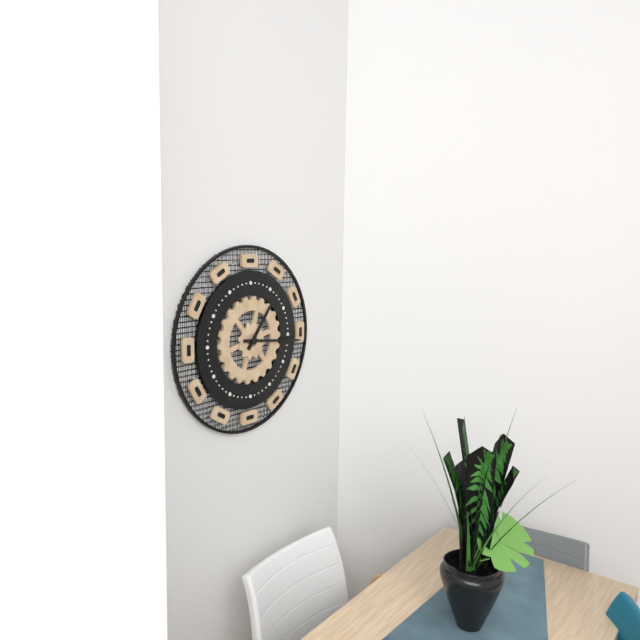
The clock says 1,16
